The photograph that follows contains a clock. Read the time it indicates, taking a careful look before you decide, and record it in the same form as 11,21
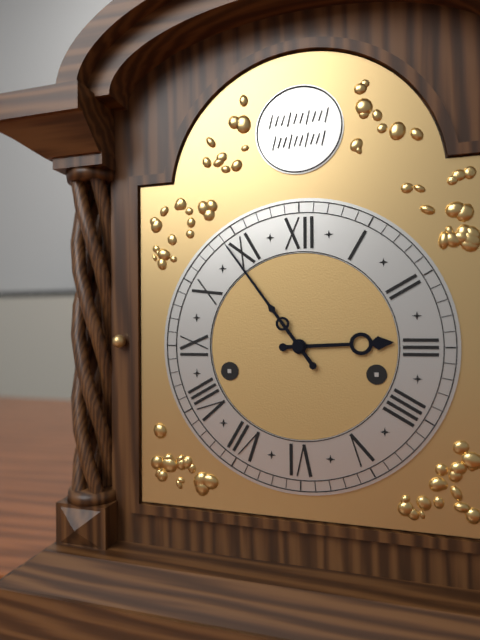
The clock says 2,54
